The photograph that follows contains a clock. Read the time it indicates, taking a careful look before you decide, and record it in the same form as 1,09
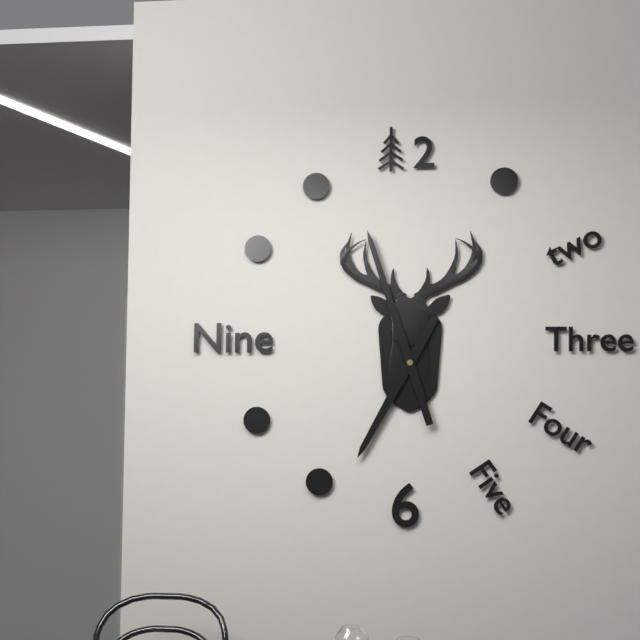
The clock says 6,57
